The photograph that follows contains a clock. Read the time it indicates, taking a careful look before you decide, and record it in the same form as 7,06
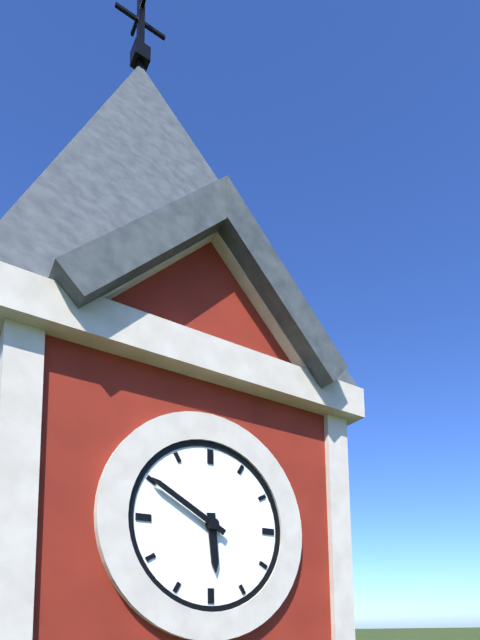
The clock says 5,50
